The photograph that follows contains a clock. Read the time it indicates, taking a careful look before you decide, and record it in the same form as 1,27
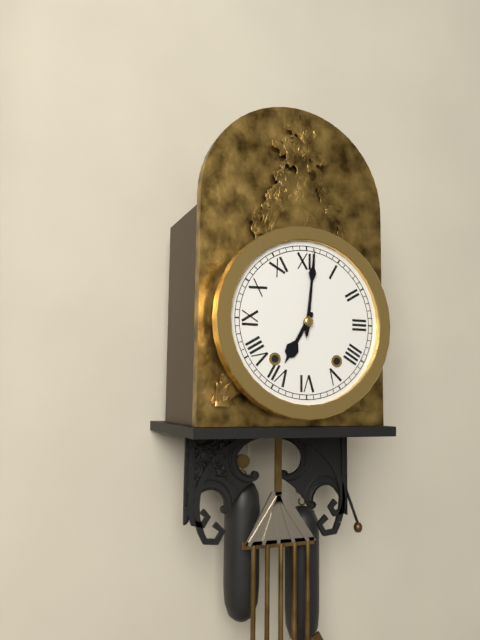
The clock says 7,01
